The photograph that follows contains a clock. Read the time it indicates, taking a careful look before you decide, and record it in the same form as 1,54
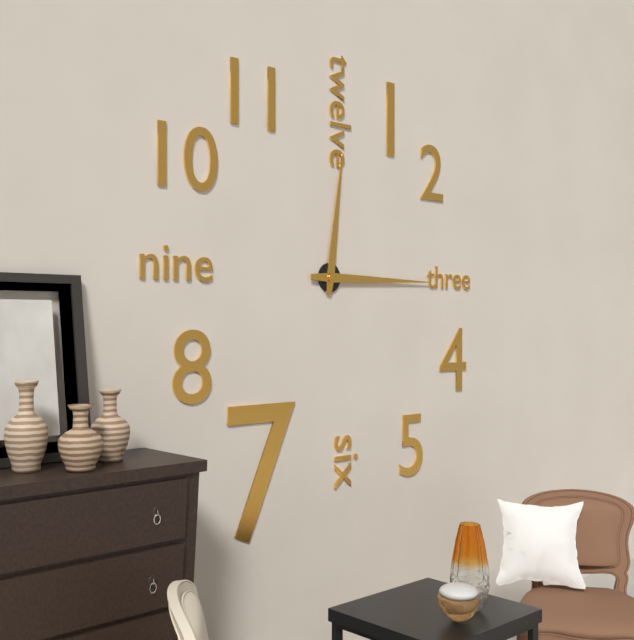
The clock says 12,15
